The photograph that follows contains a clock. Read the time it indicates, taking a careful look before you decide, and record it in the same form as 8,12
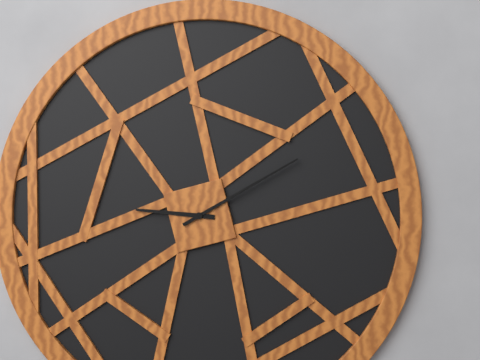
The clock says 9,10
